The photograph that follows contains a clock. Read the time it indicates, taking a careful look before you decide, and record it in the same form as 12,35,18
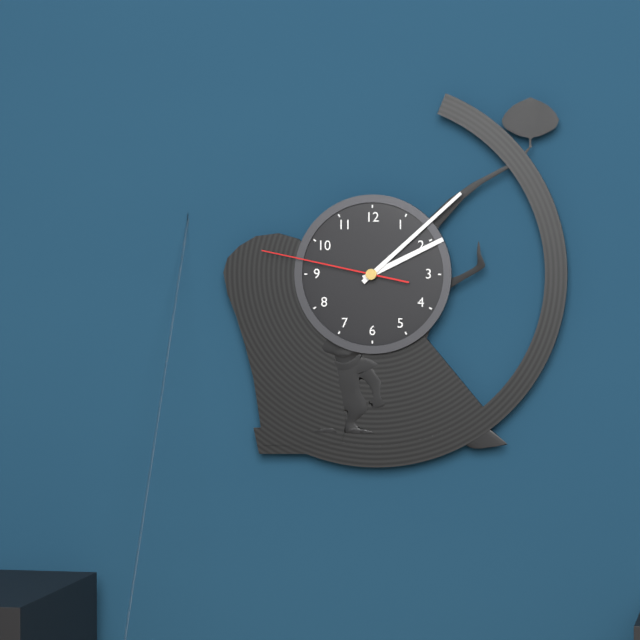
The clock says 2,08,47
